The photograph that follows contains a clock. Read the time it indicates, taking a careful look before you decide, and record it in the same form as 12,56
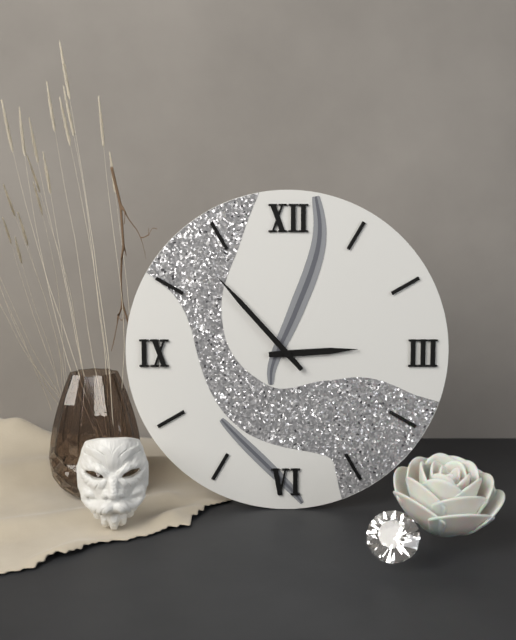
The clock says 2,53
